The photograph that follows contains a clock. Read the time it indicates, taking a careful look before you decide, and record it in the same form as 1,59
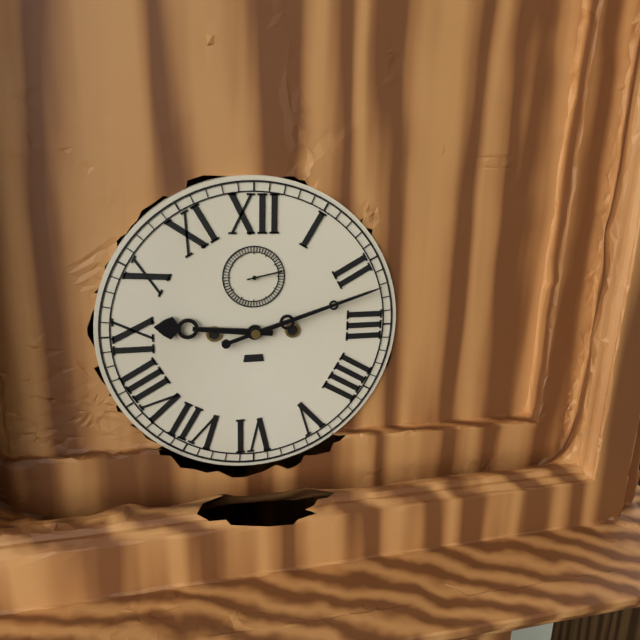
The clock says 9,12
